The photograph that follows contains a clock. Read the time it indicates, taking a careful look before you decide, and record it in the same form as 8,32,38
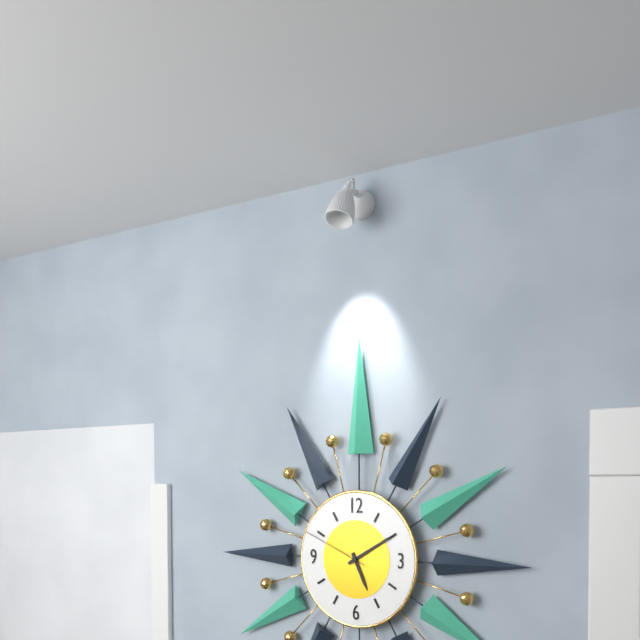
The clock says 5,10,49
